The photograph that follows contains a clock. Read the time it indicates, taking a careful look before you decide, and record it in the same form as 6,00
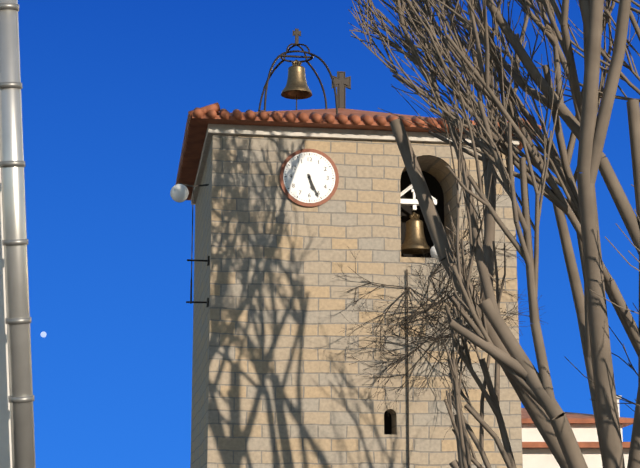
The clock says 5,26
